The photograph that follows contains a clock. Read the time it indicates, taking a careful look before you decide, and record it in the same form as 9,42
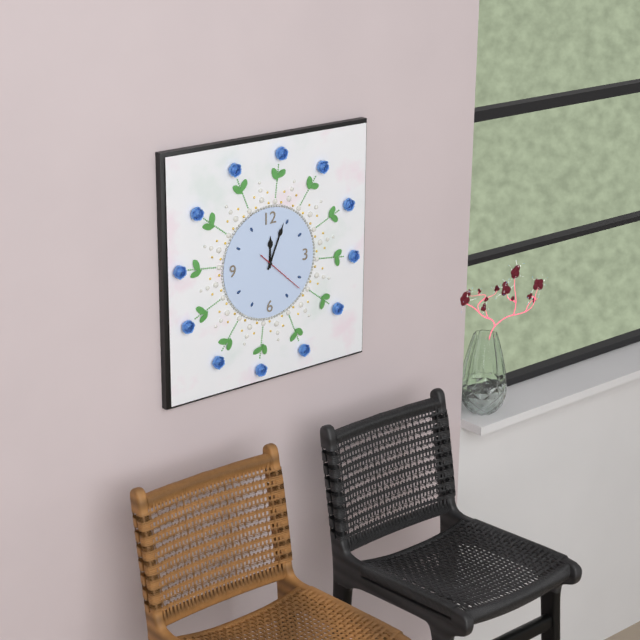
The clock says 12,04
